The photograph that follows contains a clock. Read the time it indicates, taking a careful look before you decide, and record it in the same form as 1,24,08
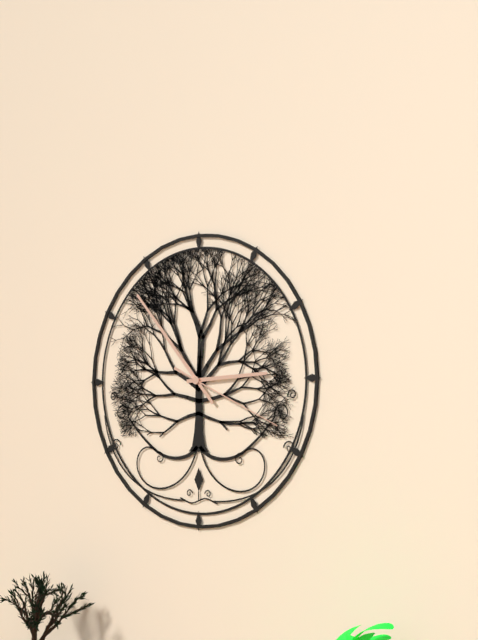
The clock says 2,53,19
